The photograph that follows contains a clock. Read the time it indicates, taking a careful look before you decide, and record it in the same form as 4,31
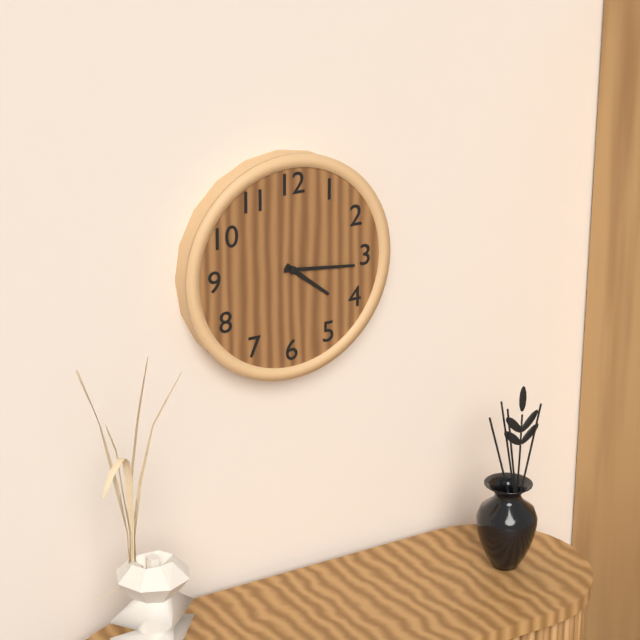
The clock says 4,16
